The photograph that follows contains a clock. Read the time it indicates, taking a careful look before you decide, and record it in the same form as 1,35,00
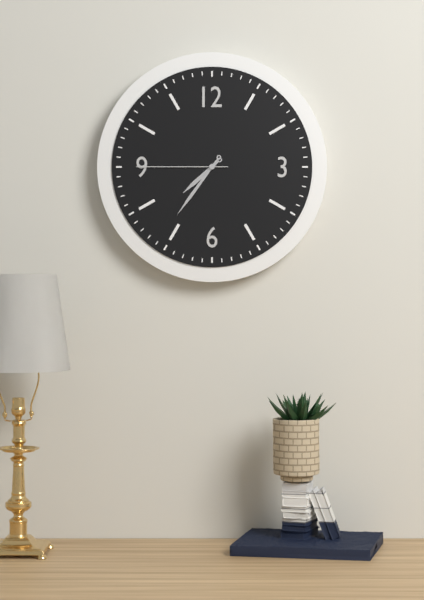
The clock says 7,36,45
